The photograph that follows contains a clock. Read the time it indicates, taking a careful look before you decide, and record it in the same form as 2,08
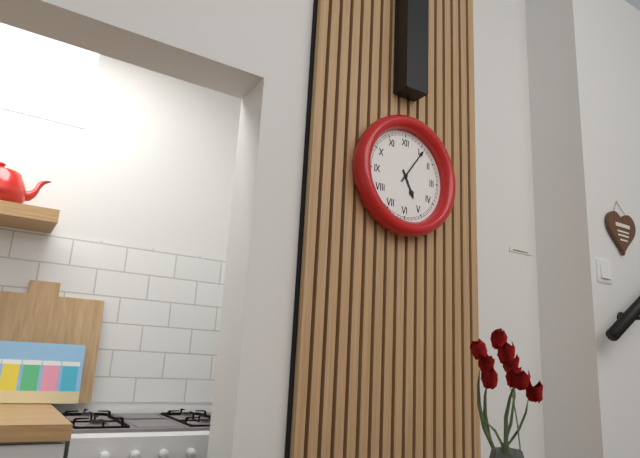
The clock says 5,06
